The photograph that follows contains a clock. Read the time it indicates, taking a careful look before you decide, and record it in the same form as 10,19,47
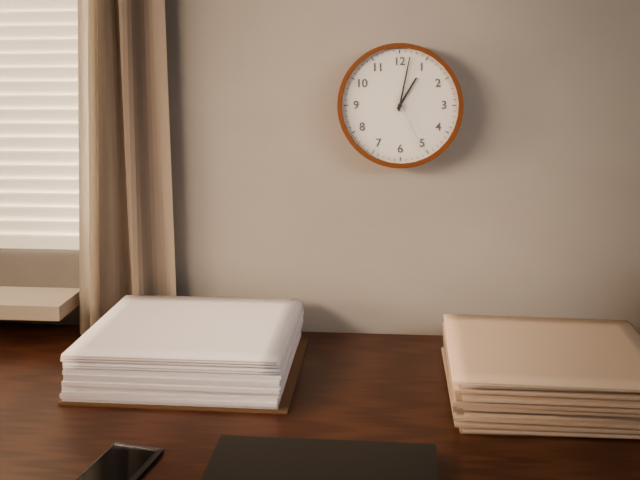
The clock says 1,02,26
